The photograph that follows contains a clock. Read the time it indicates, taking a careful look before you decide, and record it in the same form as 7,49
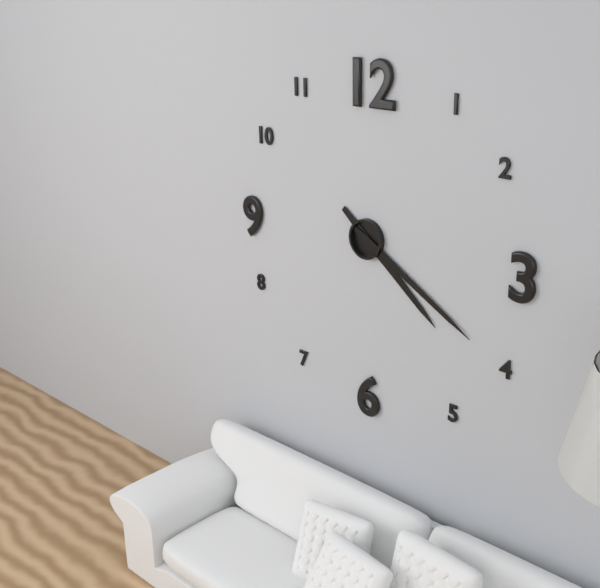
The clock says 4,20
